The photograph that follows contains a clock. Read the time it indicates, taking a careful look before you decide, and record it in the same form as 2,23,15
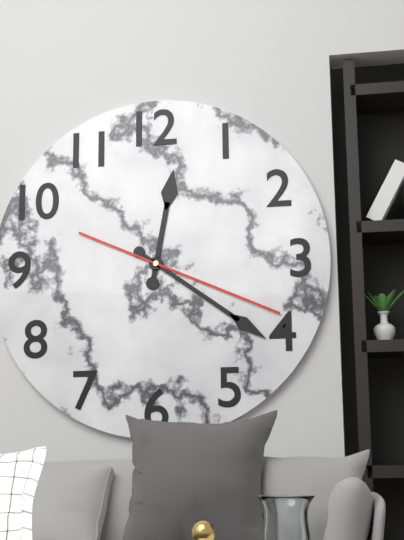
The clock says 12,21,19
